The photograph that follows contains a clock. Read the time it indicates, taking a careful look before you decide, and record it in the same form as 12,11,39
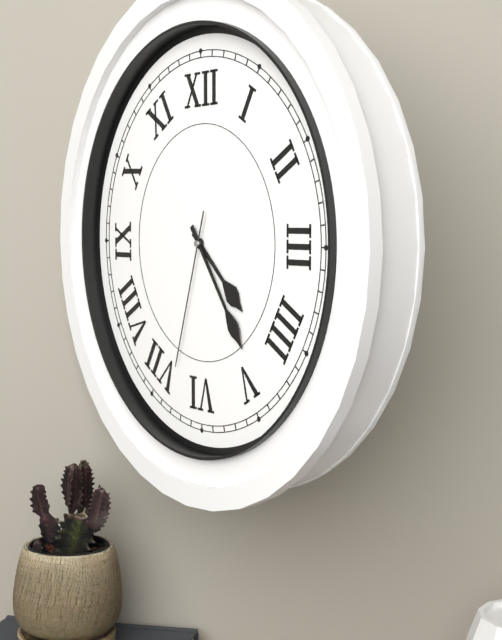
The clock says 4,24,33
